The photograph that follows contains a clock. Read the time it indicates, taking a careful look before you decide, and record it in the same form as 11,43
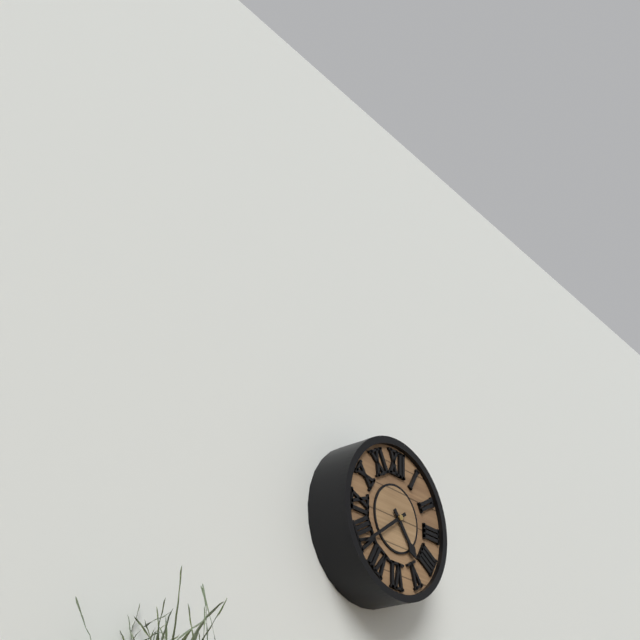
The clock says 4,39
